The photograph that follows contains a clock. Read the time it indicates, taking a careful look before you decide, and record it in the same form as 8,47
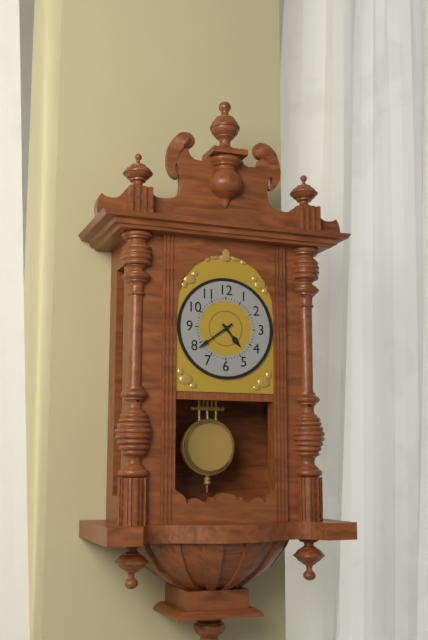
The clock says 4,39
